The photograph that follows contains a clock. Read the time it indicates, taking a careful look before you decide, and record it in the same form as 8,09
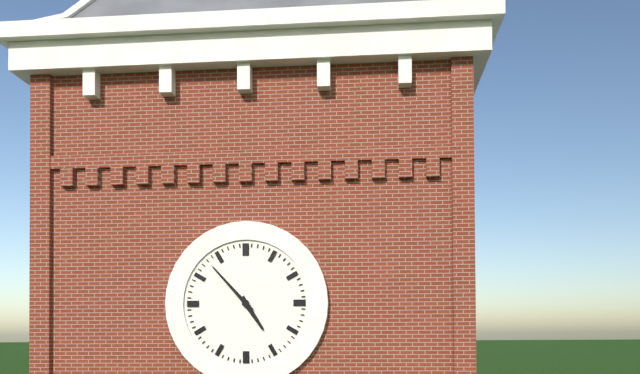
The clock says 4,53
